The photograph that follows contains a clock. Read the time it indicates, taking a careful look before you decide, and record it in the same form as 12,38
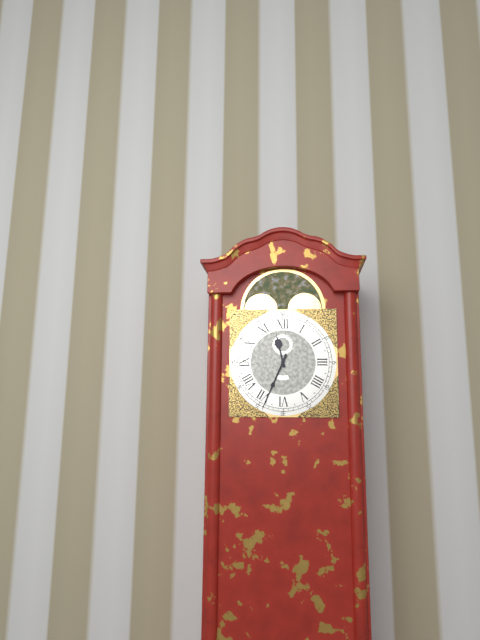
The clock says 11,34
